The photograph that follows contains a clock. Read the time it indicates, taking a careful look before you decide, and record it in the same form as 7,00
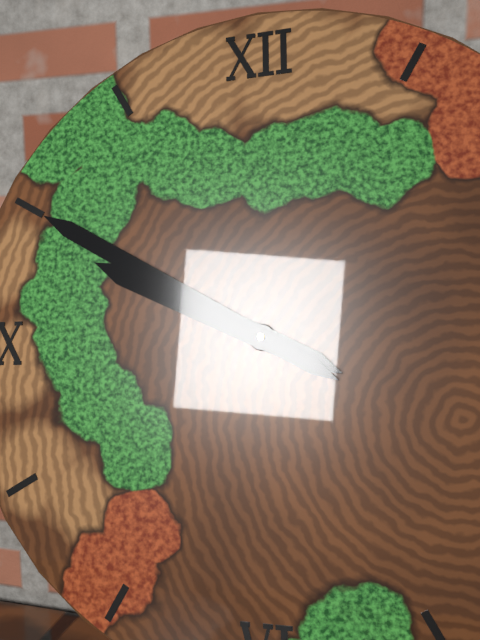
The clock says 9,50
